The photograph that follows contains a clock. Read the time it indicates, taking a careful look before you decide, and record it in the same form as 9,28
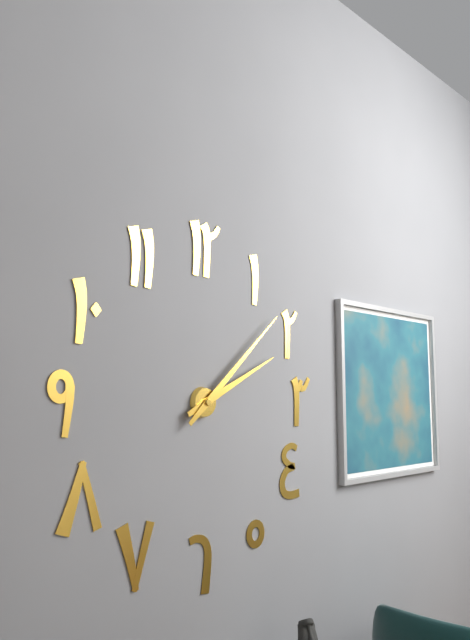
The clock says 2,08
